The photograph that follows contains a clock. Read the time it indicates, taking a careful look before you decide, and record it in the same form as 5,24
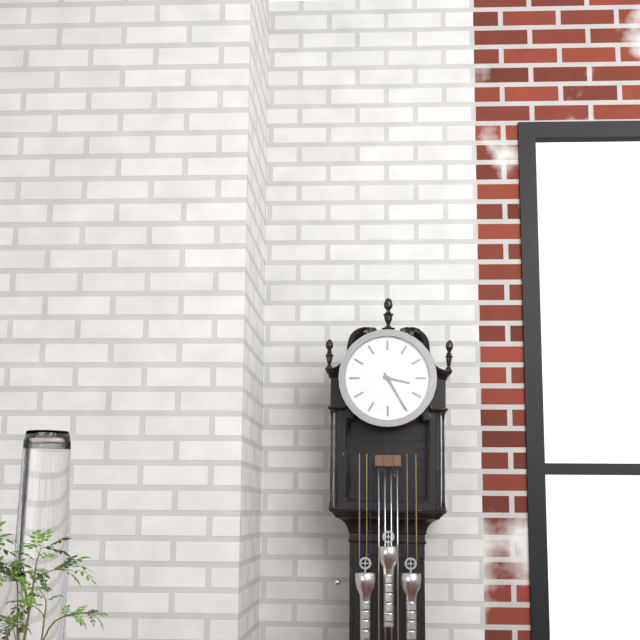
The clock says 3,25
